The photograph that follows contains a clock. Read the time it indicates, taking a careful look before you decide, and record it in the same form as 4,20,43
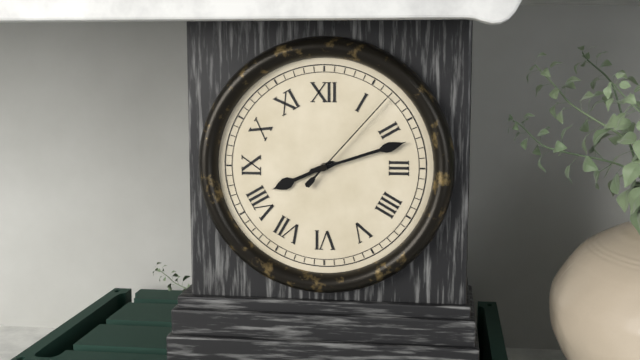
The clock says 8,12,07
